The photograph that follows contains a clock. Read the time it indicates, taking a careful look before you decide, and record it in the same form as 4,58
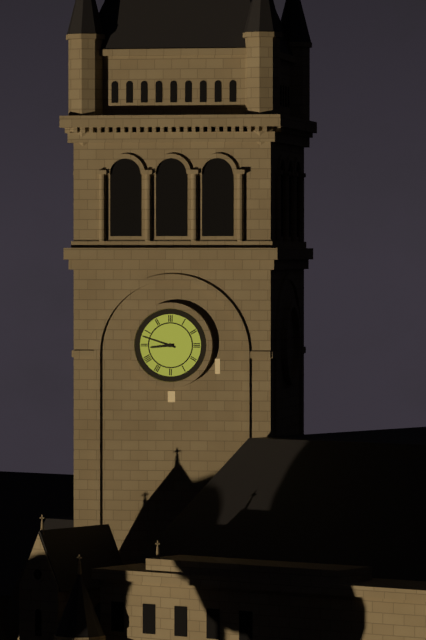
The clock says 8,48
